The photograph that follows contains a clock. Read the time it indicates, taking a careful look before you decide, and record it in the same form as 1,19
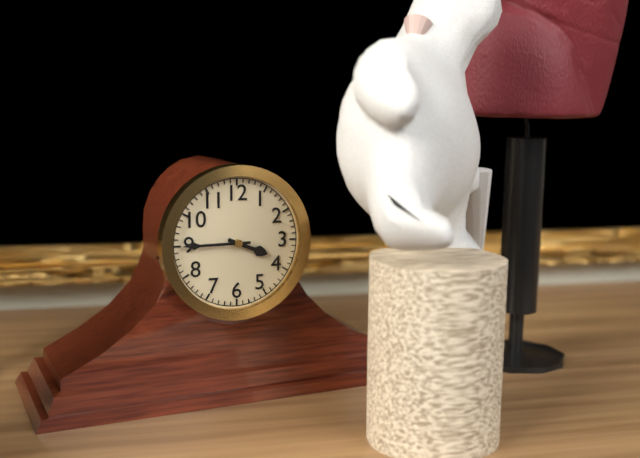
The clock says 3,45
